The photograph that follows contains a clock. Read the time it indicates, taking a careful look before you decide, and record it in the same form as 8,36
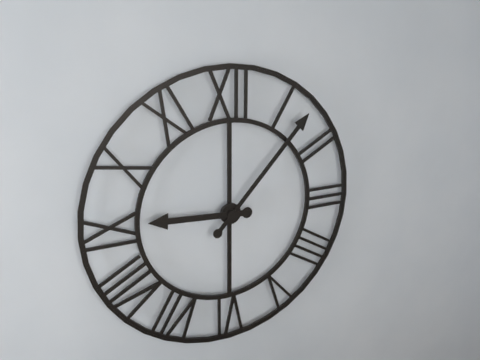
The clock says 9,07
